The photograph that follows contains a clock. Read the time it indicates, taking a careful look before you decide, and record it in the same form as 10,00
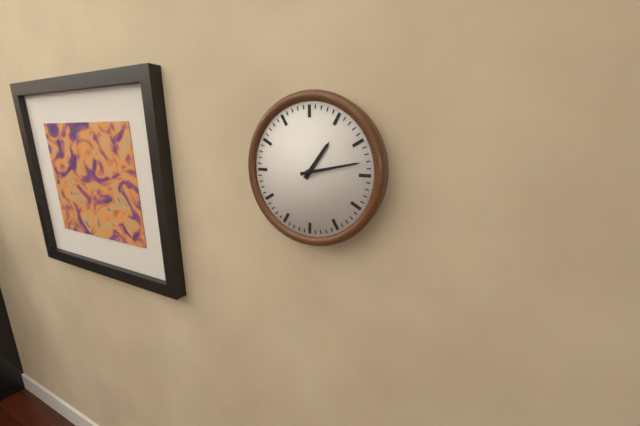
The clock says 1,13
